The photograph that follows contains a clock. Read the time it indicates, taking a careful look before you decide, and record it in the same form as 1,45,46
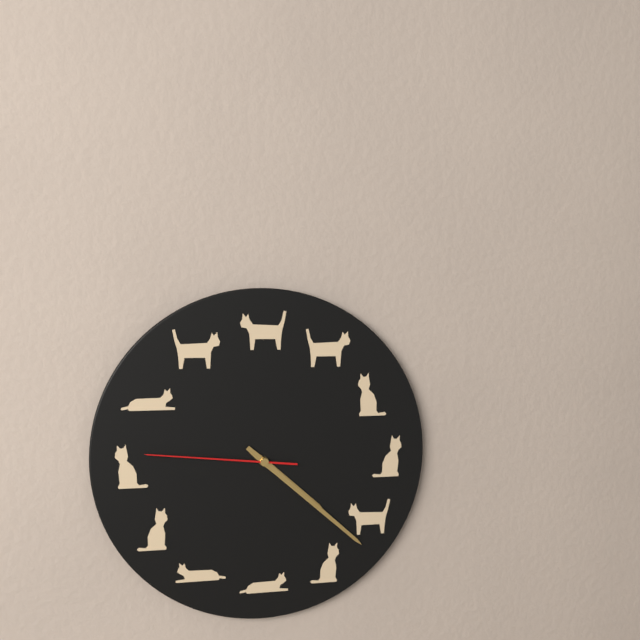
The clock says 4,22,46
